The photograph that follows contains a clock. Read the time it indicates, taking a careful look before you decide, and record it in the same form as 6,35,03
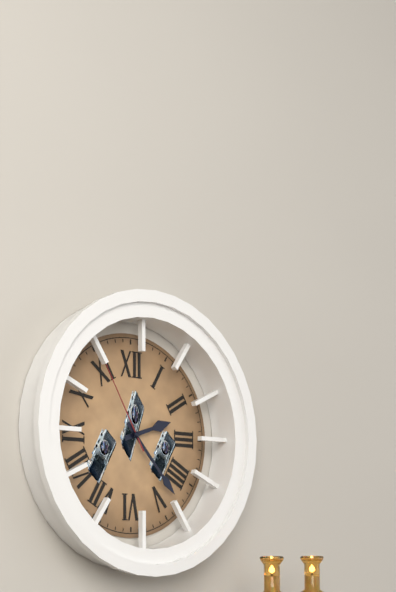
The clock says 2,23,55
